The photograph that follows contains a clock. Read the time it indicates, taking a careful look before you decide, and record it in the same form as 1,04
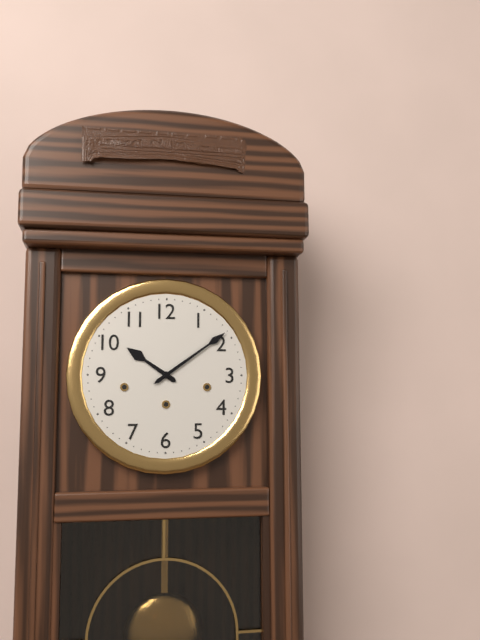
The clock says 10,09
